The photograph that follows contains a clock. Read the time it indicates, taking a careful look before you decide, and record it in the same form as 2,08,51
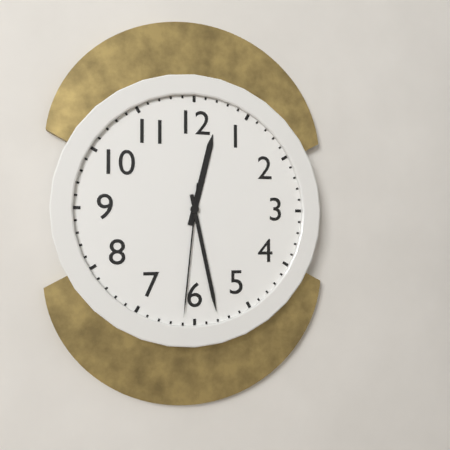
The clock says 12,28,31
